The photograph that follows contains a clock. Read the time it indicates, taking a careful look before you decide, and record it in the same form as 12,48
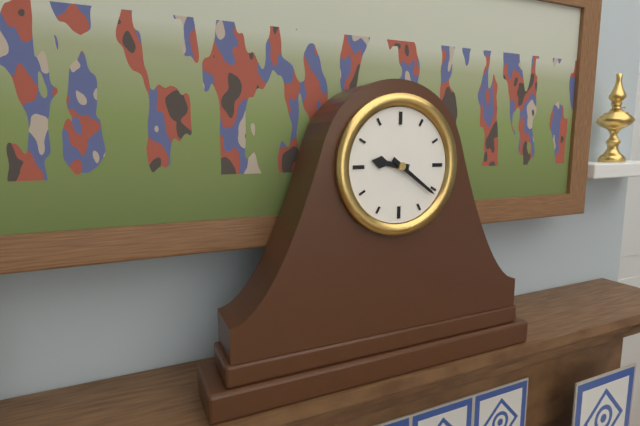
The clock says 9,21
